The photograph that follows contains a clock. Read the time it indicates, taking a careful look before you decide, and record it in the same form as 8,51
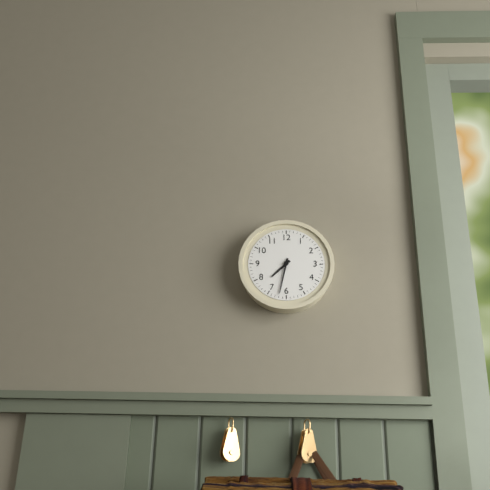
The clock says 7,32
